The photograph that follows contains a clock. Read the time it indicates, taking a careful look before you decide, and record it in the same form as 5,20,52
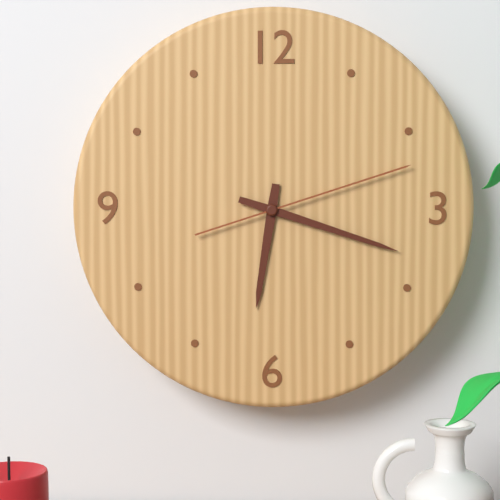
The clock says 6,18,12
